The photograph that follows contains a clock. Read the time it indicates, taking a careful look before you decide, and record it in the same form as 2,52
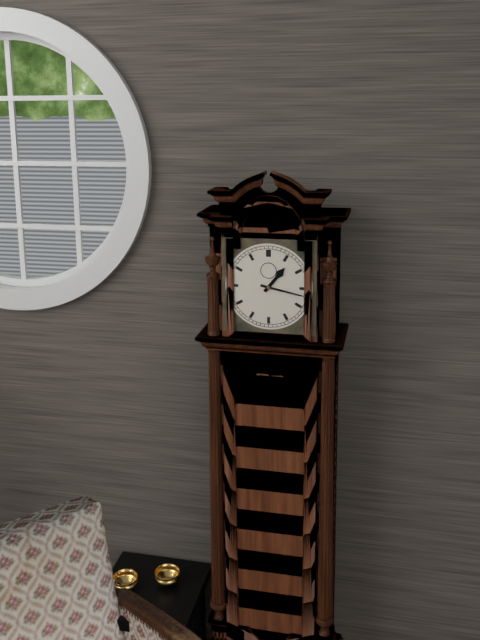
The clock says 1,17
